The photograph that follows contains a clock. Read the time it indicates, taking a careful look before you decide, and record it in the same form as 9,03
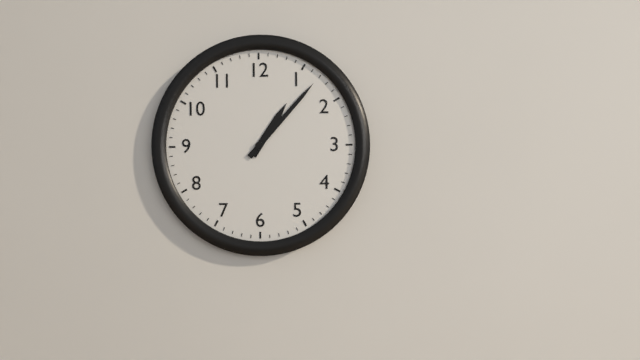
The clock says 1,07
